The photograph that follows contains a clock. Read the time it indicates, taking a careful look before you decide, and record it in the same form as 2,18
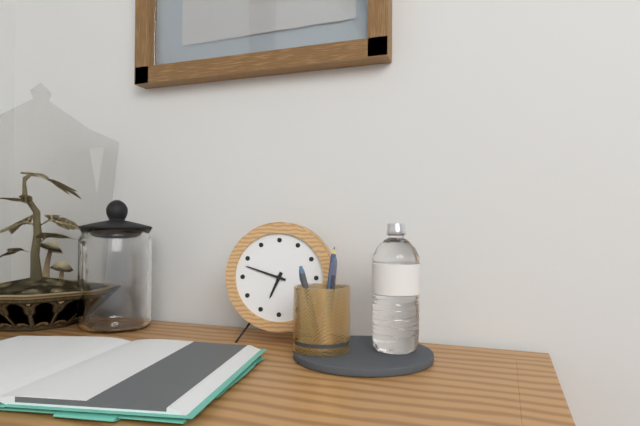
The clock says 6,48
